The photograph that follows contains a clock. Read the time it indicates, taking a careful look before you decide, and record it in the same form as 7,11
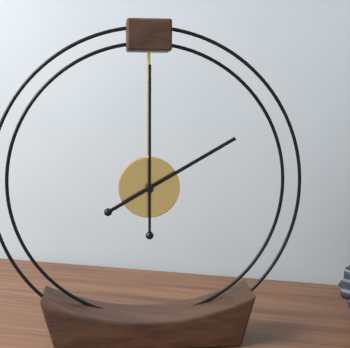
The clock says 2,00
